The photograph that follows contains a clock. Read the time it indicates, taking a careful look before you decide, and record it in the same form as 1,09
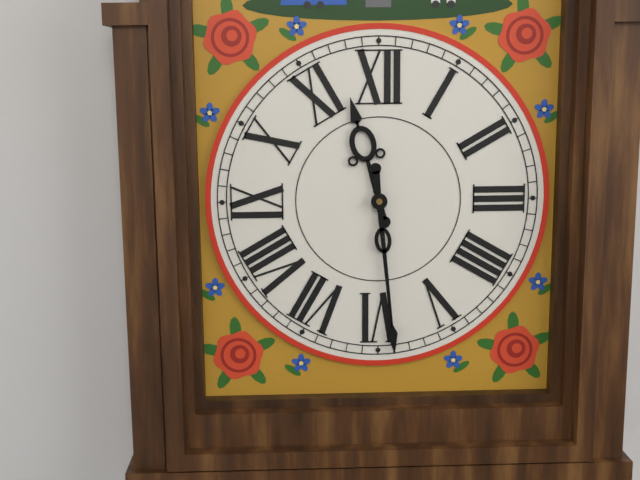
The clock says 11,29
